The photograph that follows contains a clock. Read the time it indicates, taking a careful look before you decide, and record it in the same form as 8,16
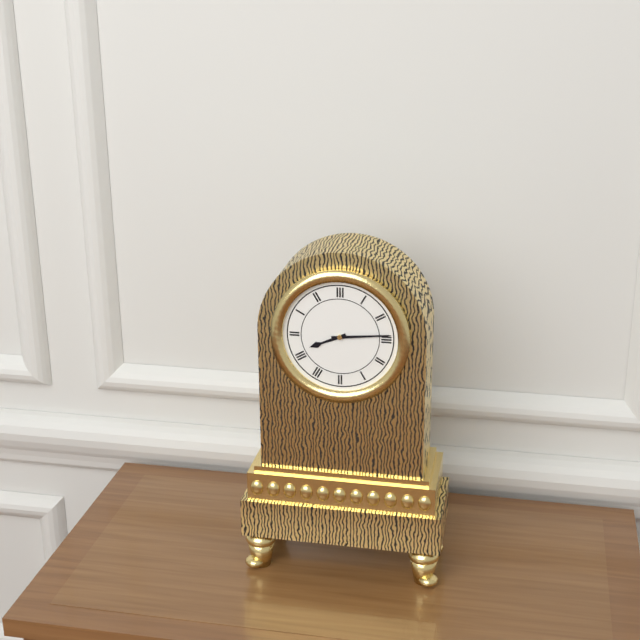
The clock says 8,14
